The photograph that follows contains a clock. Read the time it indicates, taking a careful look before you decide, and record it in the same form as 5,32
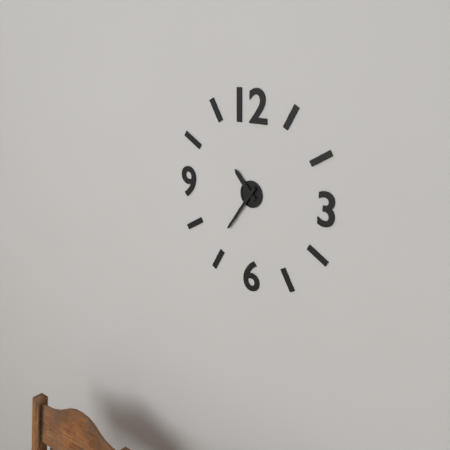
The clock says 10,36
